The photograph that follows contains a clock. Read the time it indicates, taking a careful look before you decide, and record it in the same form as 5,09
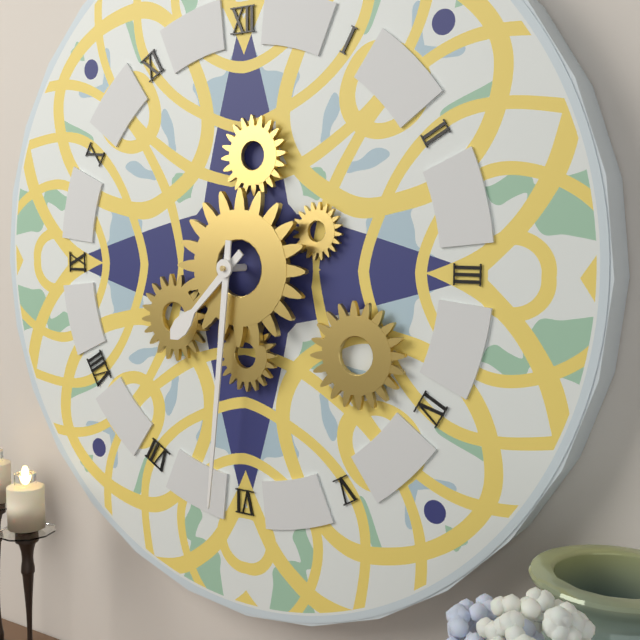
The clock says 7,31
